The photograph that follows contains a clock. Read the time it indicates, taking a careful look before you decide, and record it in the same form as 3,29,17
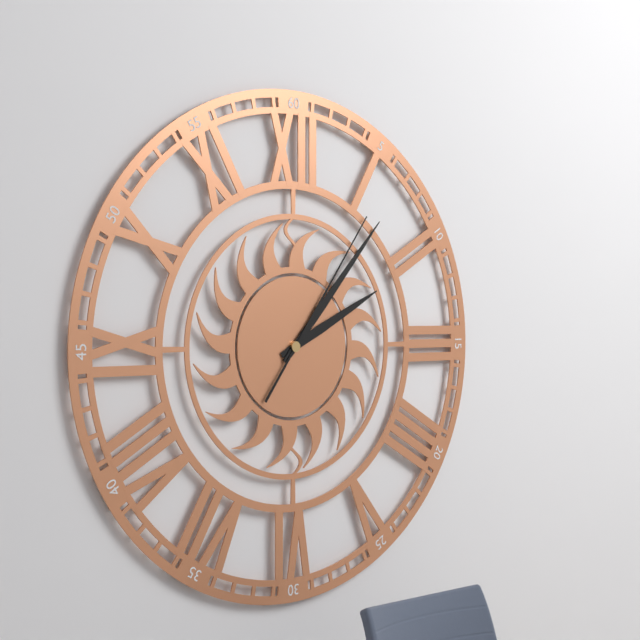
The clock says 2,07,06
